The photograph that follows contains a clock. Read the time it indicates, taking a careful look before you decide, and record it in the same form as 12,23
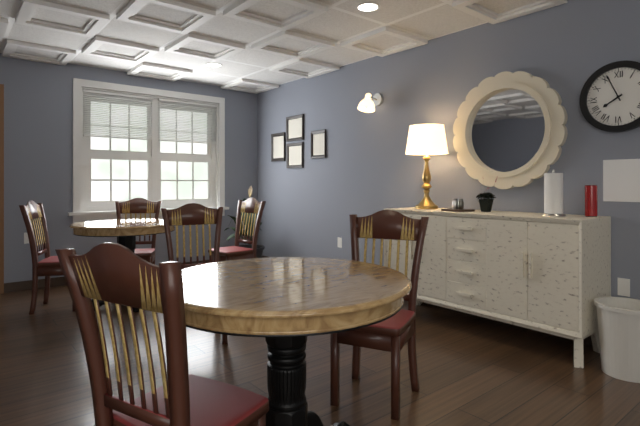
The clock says 7,56
